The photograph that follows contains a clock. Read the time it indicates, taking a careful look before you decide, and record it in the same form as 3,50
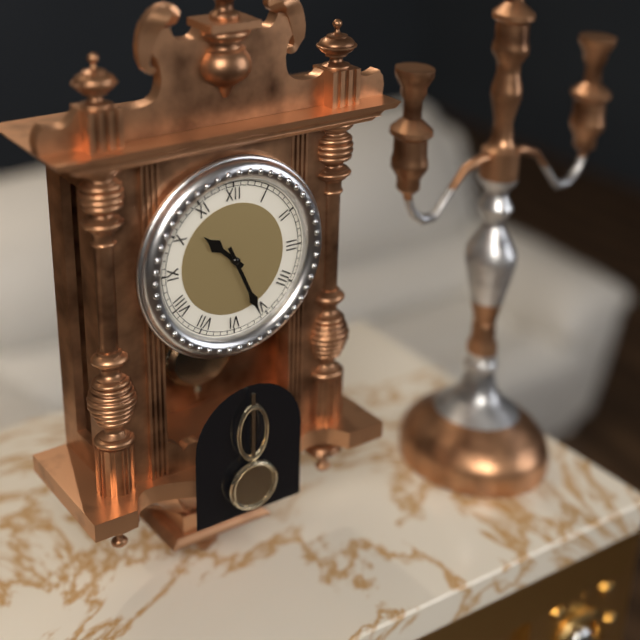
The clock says 10,26
